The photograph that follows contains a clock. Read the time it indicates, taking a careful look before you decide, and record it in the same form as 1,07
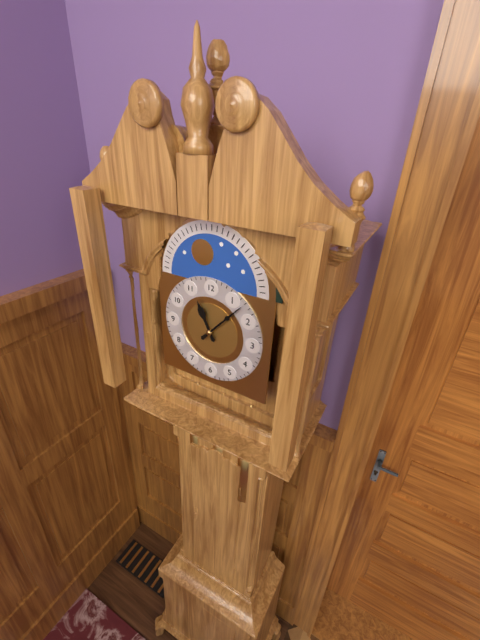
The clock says 11,07
